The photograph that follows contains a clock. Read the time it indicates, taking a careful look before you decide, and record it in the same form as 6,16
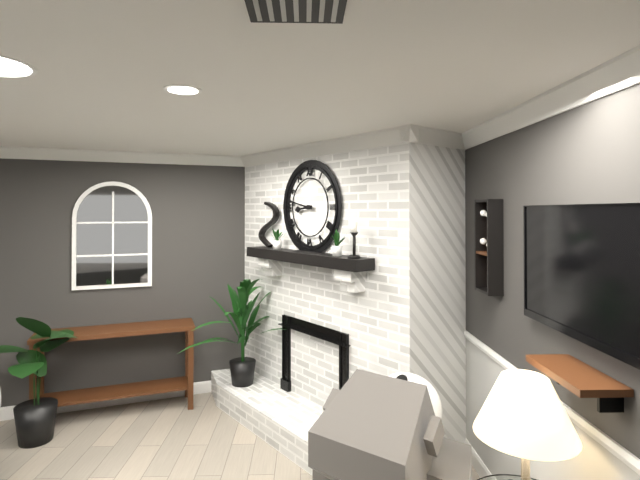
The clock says 8,47
